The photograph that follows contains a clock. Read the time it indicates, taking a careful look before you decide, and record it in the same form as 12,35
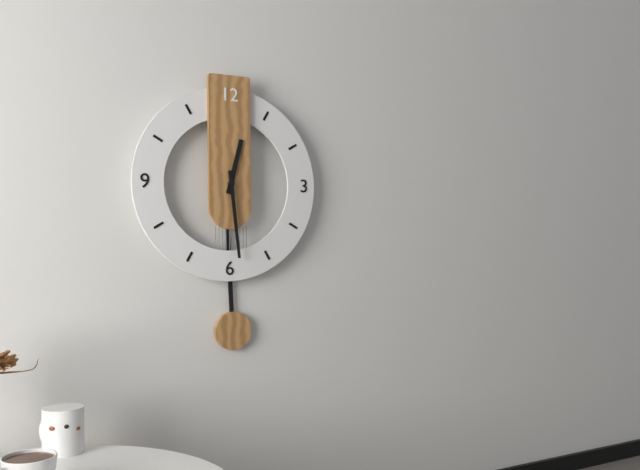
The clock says 12,29
